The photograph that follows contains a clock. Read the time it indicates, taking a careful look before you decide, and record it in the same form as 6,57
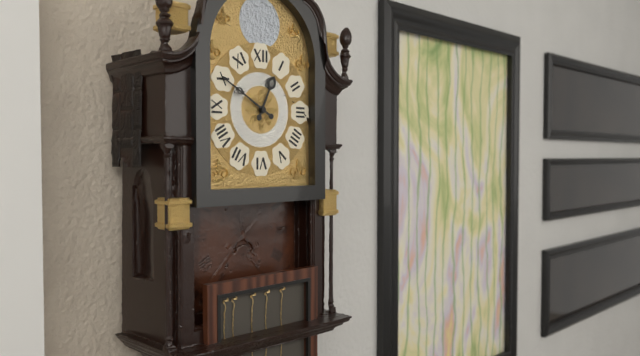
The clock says 12,50
